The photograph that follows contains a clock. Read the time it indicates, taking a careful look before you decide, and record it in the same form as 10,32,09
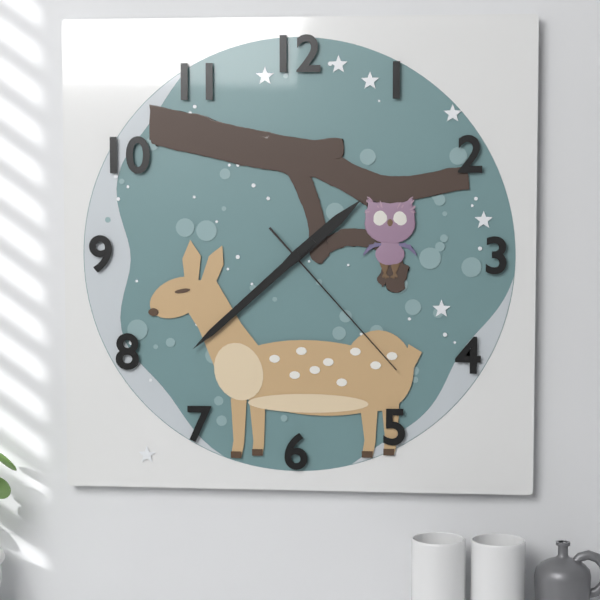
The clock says 1,38,23
